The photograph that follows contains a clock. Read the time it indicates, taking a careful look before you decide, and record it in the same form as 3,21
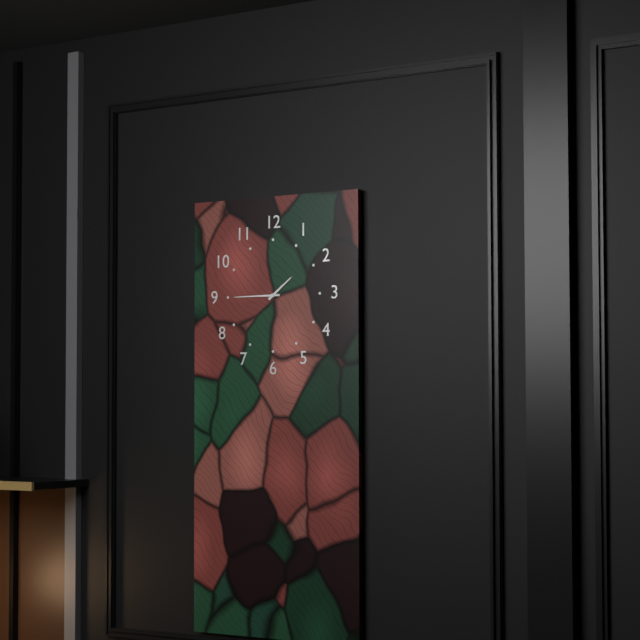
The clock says 1,45
